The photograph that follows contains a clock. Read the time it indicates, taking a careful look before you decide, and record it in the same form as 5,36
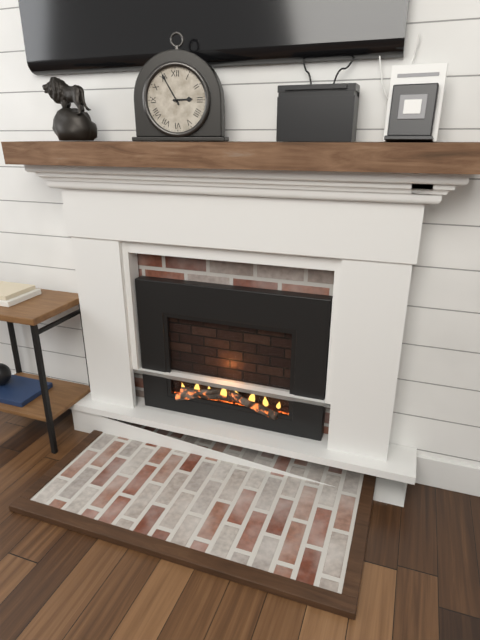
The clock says 2,55
